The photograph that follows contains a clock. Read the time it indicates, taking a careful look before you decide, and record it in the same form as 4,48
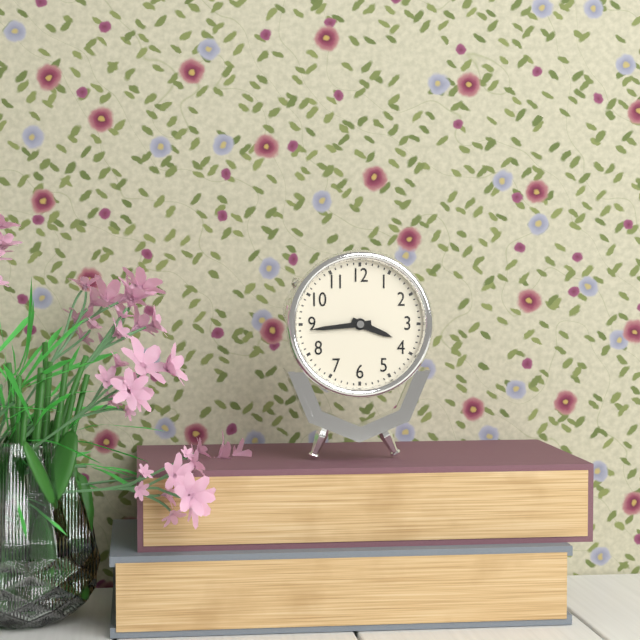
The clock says 3,44
